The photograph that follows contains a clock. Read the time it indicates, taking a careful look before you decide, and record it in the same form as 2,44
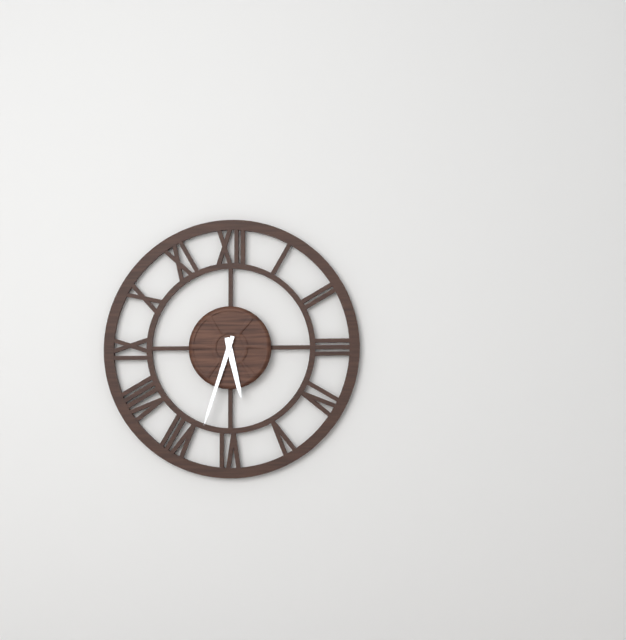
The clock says 5,33
